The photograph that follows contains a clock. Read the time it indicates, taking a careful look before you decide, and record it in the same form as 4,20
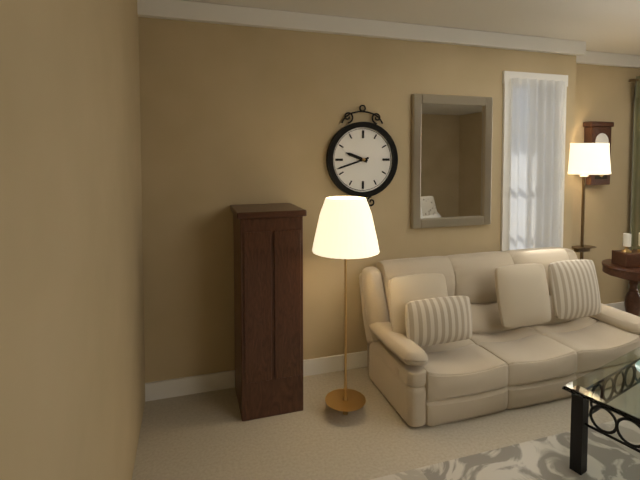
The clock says 9,42
